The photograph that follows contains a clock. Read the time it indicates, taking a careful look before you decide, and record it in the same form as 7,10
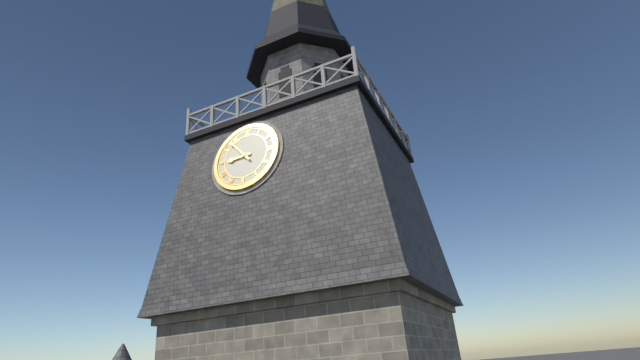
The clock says 8,53
